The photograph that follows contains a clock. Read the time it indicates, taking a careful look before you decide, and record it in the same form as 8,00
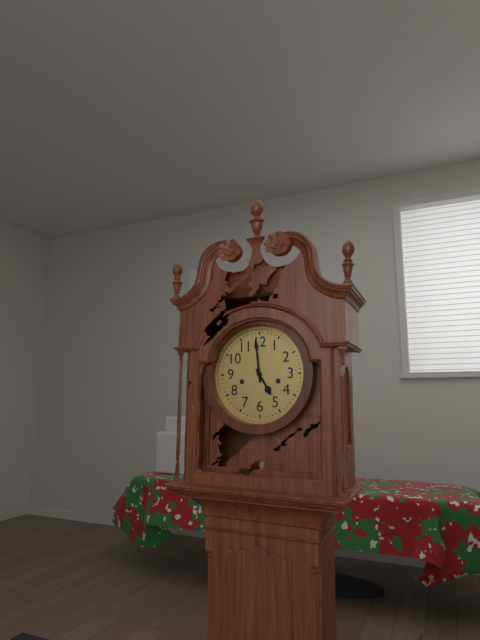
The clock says 4,59
